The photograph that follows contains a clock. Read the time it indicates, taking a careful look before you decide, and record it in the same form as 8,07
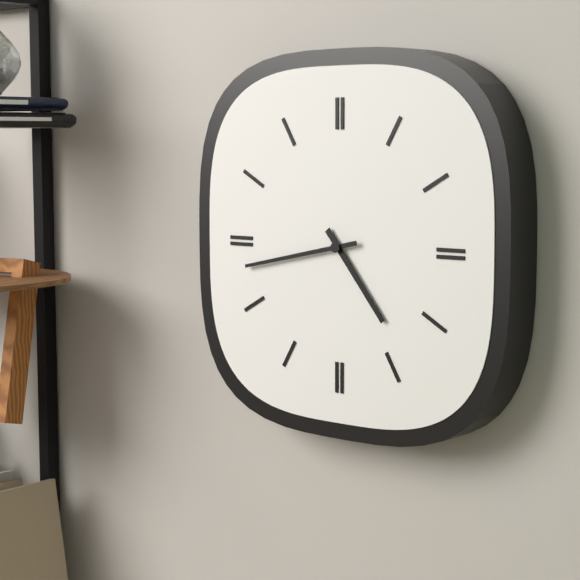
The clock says 4,43
